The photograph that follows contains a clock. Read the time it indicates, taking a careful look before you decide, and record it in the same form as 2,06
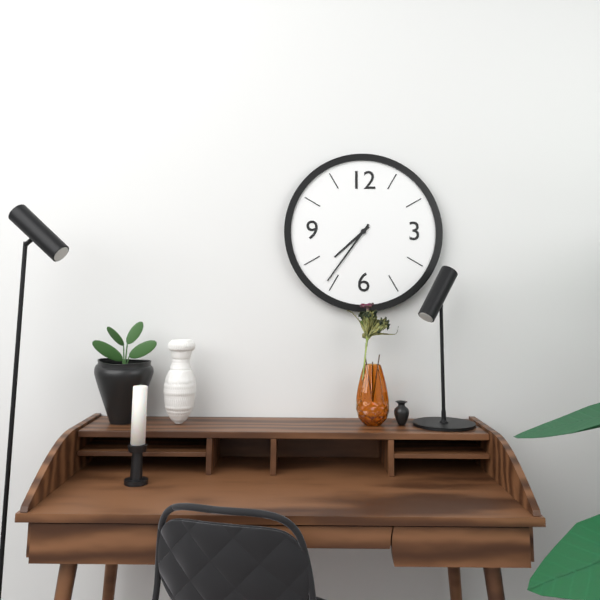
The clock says 7,36
